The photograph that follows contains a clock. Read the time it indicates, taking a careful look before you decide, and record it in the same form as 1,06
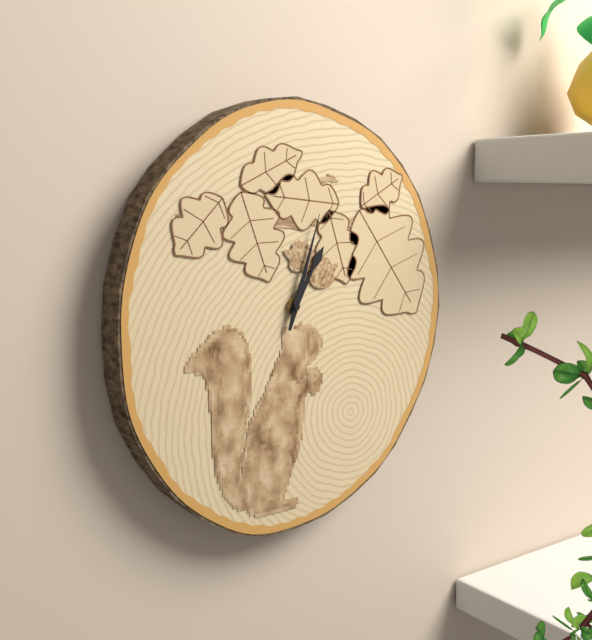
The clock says 1,03
